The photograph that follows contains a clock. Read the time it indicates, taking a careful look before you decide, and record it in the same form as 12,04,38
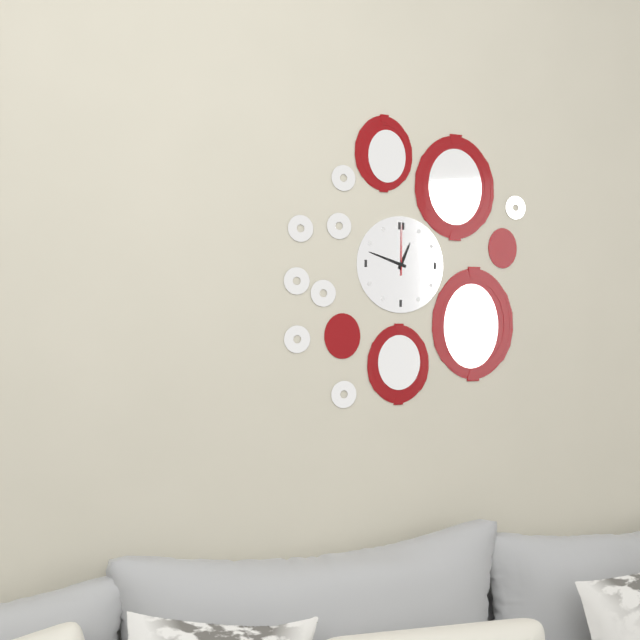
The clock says 12,48,00
